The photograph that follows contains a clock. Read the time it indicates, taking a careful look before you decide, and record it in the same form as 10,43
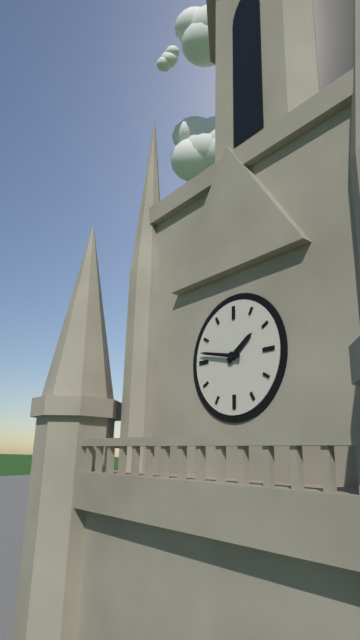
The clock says 1,47
